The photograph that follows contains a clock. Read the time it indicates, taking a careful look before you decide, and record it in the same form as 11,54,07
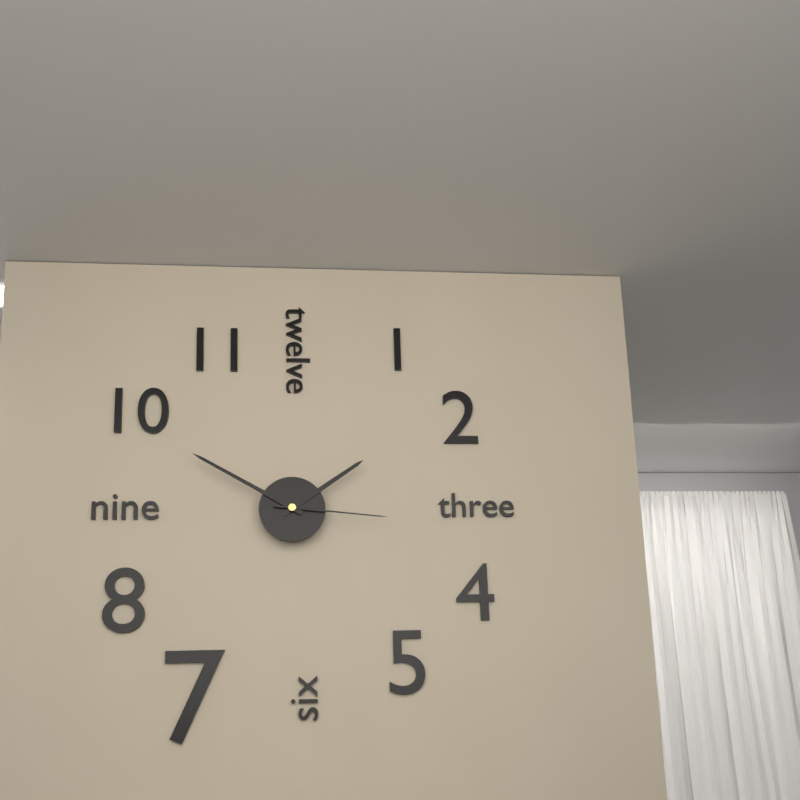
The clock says 1,50,16
